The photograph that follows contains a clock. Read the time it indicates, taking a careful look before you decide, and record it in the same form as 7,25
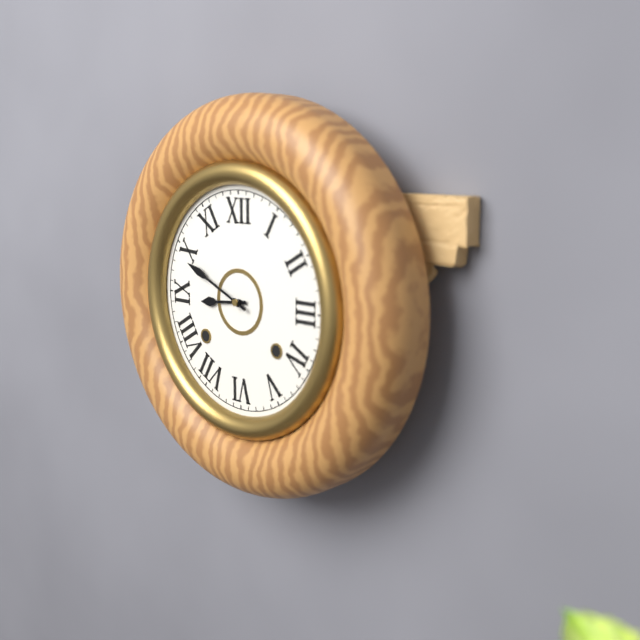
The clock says 8,49
